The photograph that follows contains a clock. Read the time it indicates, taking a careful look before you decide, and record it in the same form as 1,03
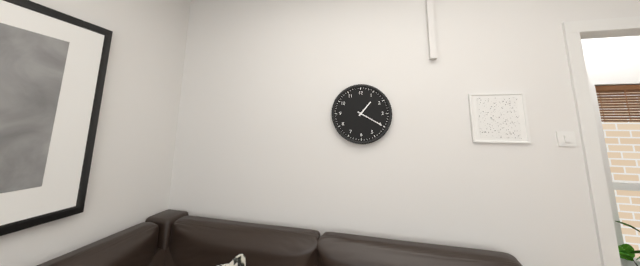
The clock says 1,20
